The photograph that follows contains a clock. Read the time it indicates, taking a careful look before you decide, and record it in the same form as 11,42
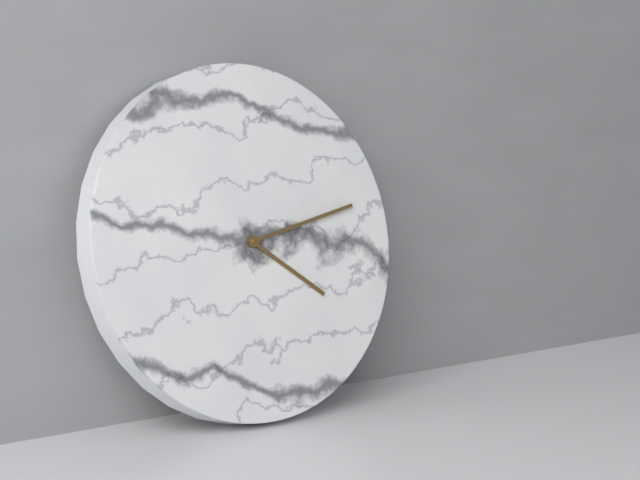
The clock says 4,13
